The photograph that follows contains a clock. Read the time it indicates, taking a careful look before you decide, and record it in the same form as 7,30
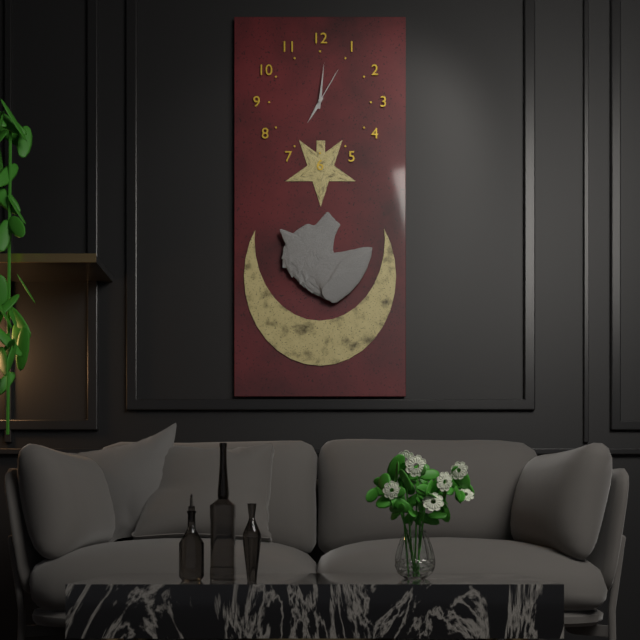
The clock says 7,01
